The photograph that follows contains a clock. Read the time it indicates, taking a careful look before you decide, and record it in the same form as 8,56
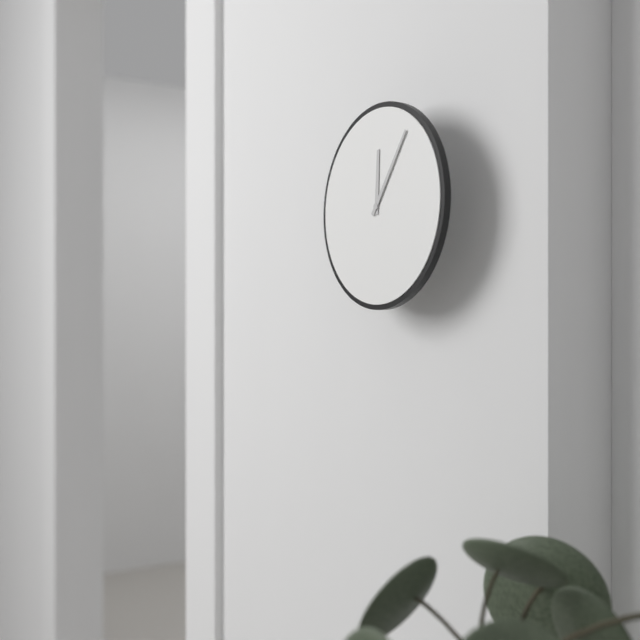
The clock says 12,06
